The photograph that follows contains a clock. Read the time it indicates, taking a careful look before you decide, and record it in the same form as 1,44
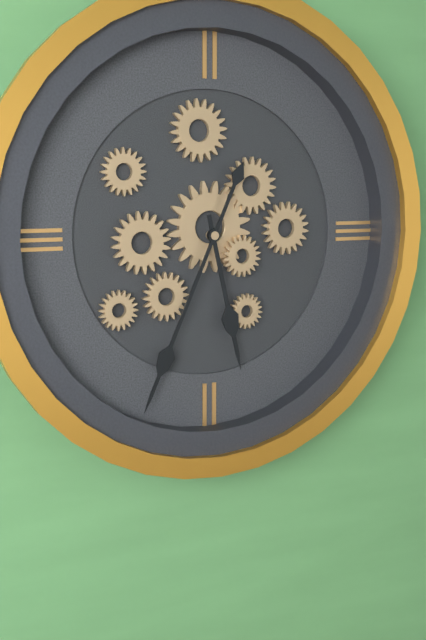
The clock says 5,34
